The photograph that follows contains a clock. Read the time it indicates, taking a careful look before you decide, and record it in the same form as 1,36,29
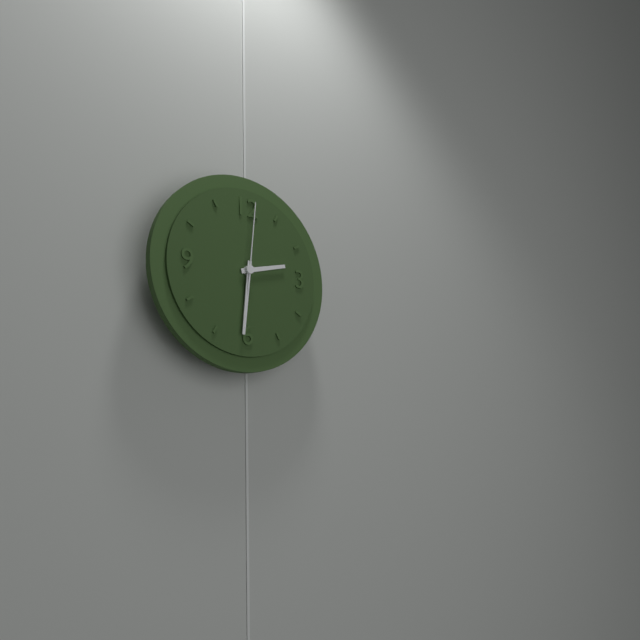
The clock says 2,31,01
